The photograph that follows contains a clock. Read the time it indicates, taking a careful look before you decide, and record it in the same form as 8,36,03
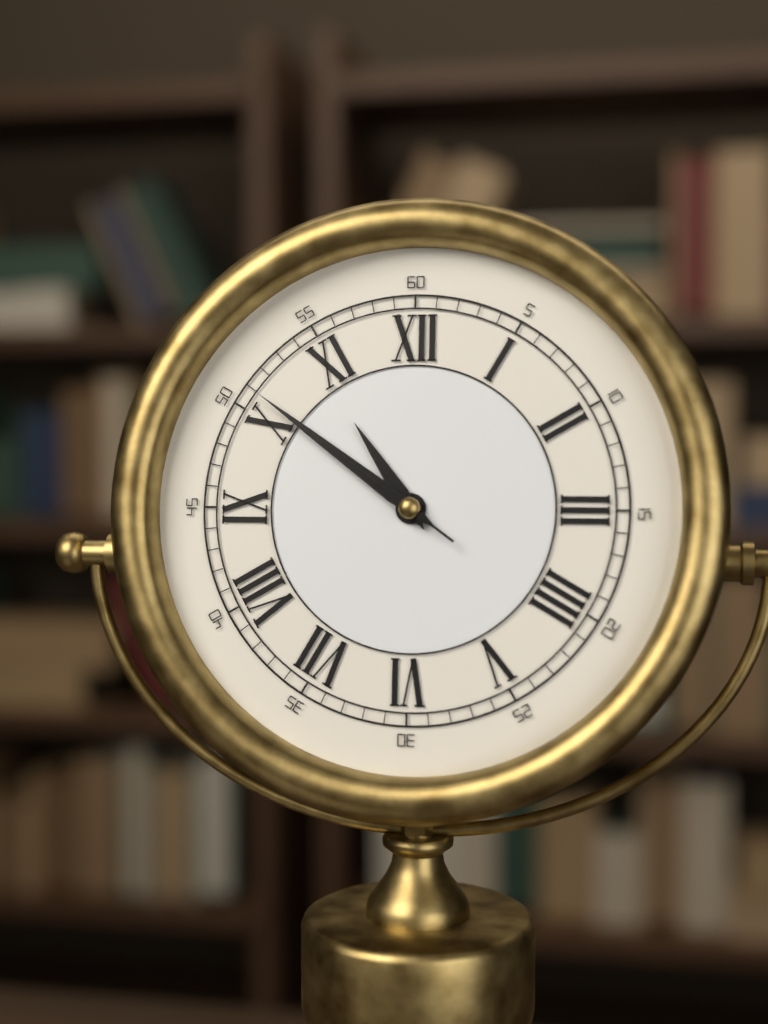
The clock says 10,51,51
